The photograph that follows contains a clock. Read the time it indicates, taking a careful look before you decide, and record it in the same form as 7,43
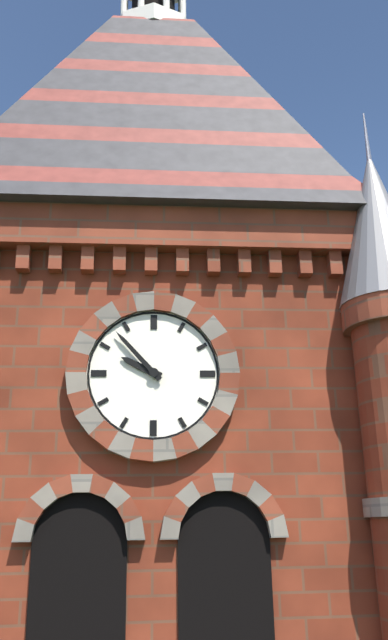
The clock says 9,53
